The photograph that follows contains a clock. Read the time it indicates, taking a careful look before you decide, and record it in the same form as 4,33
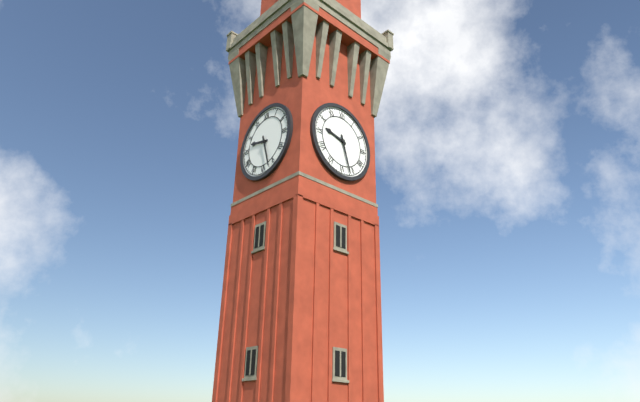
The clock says 9,27
